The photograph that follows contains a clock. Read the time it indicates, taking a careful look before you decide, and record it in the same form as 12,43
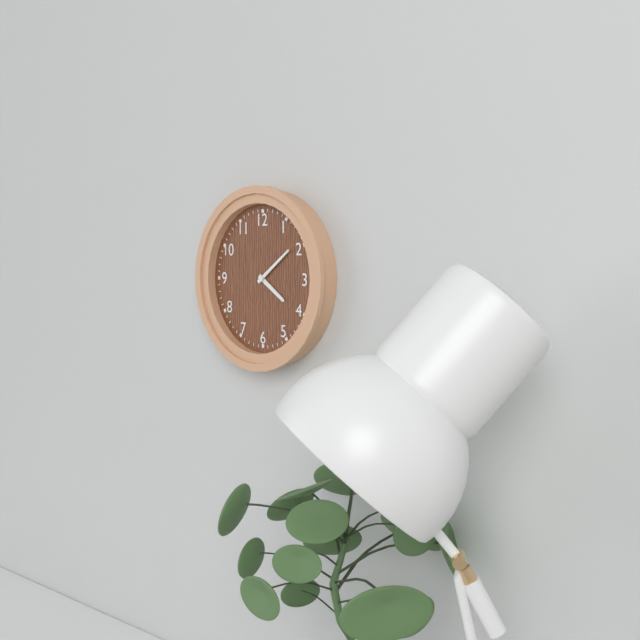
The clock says 4,09
